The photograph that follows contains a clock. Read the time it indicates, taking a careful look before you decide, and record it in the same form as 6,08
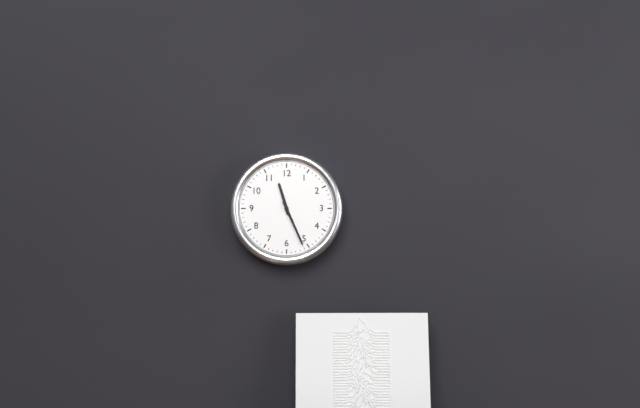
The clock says 11,26
